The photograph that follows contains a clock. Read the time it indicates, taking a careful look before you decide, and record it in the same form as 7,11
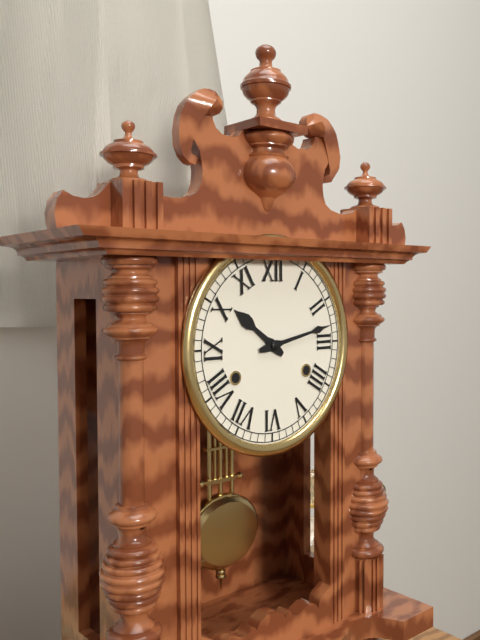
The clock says 10,13
